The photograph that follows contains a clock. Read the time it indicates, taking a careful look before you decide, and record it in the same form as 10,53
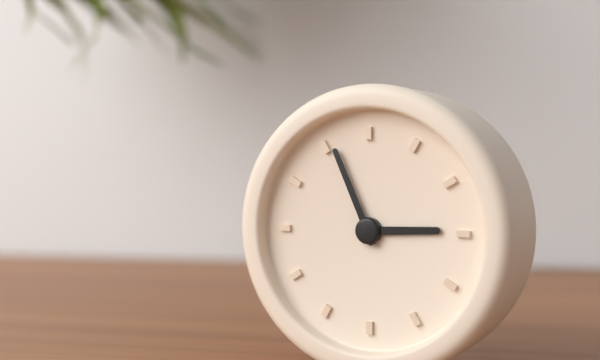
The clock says 2,56
